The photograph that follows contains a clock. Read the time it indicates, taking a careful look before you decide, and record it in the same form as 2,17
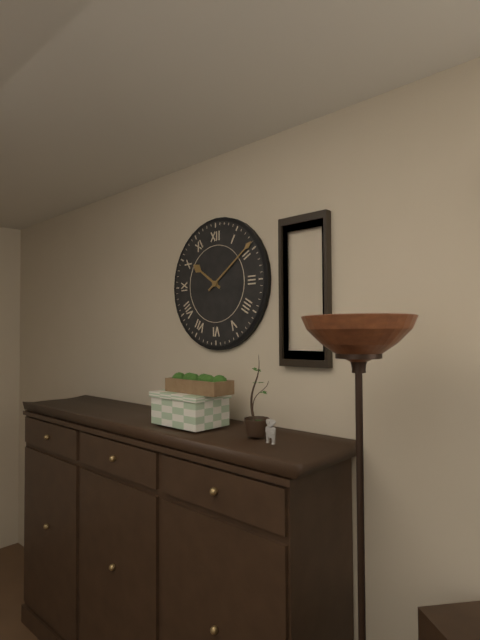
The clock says 10,09
